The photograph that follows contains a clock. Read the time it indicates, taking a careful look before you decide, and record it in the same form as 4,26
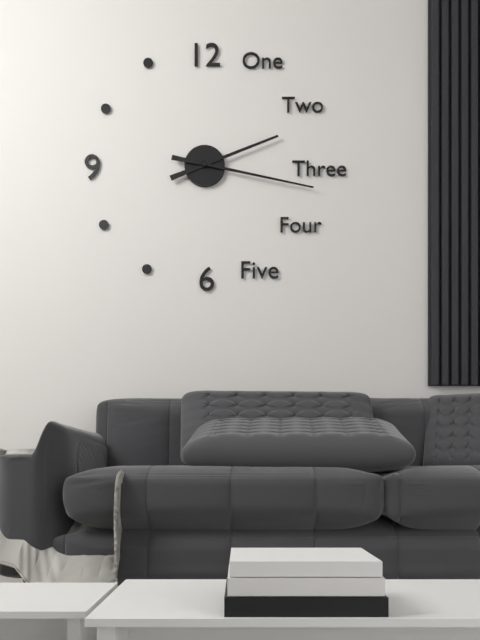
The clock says 2,17
